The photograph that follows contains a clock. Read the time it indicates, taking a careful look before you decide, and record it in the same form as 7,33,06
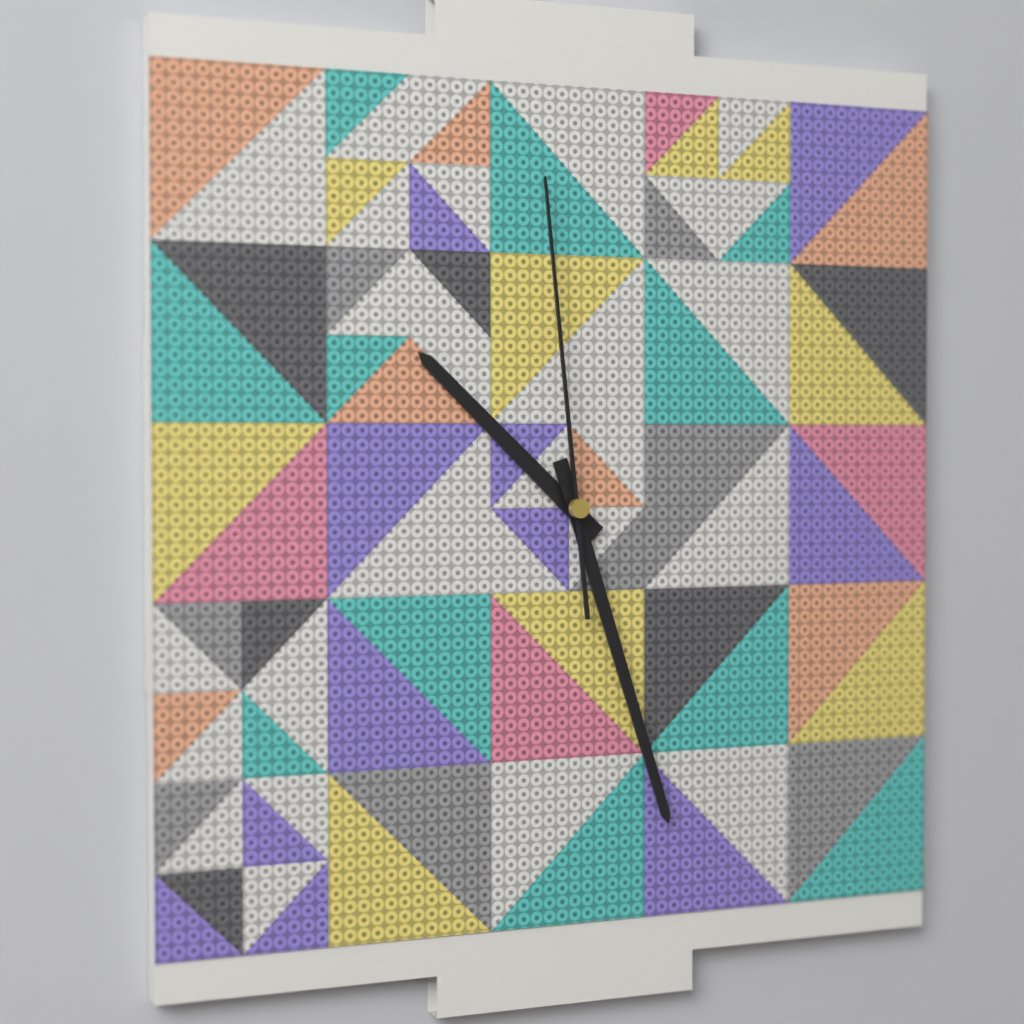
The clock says 10,27,59
